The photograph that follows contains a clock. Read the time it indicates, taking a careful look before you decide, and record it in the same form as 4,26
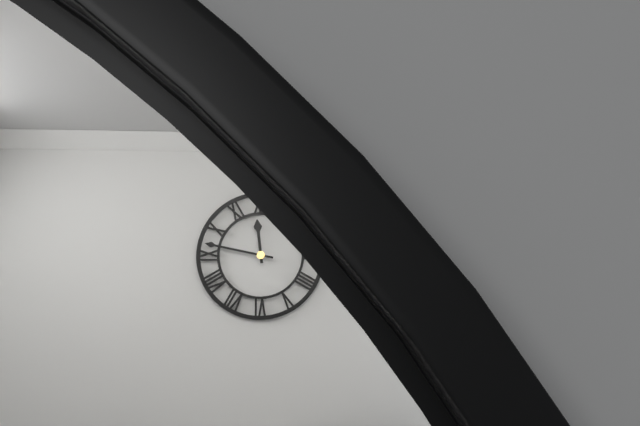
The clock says 11,47
